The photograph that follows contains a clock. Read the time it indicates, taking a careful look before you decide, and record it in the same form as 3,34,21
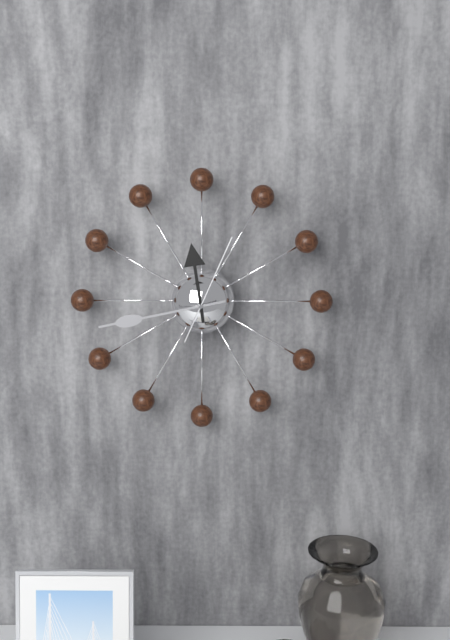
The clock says 11,43,04
